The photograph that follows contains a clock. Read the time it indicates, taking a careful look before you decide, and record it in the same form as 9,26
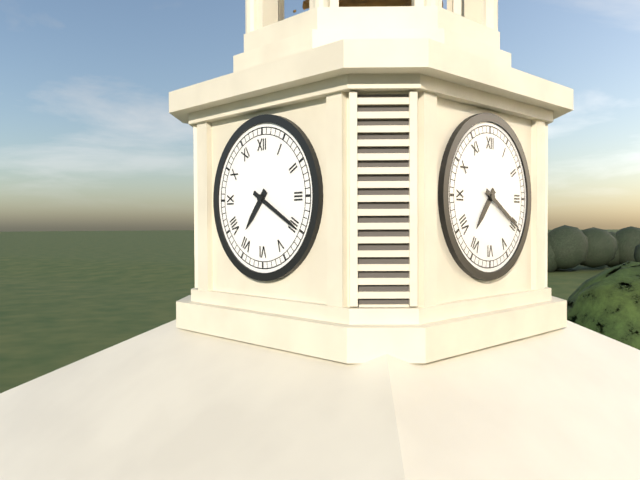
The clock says 7,20
